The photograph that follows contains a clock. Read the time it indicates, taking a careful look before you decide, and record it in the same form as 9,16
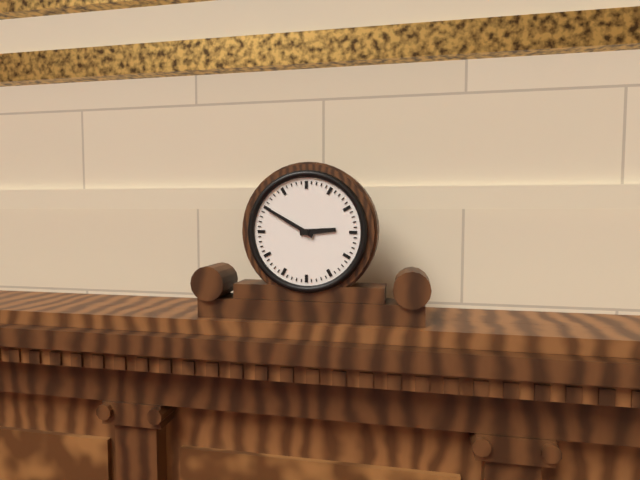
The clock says 2,50
